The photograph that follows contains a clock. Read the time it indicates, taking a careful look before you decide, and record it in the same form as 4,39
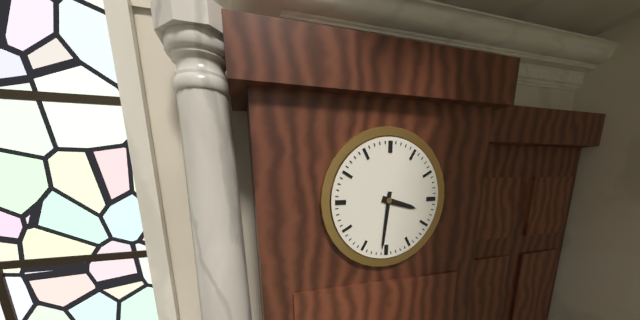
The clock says 3,31
